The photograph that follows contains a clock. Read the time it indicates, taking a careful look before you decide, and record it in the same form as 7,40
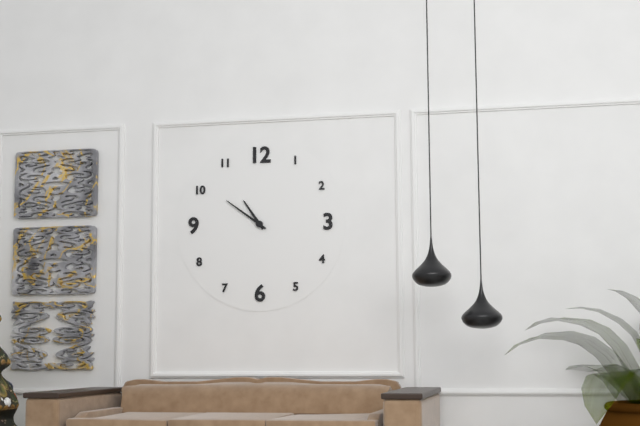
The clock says 10,51
